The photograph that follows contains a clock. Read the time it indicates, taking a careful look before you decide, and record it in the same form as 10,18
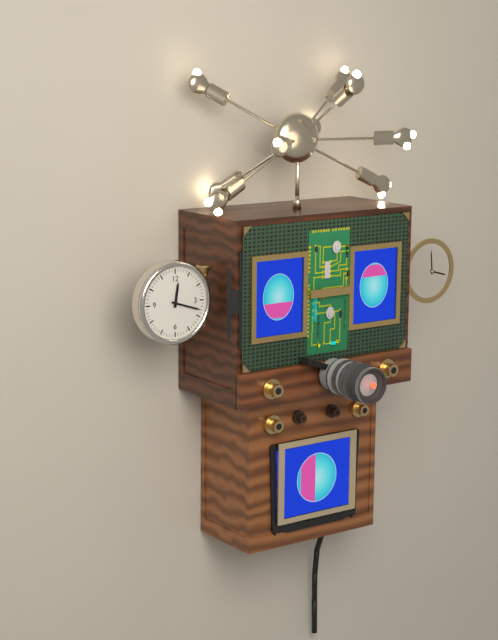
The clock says 12,18
